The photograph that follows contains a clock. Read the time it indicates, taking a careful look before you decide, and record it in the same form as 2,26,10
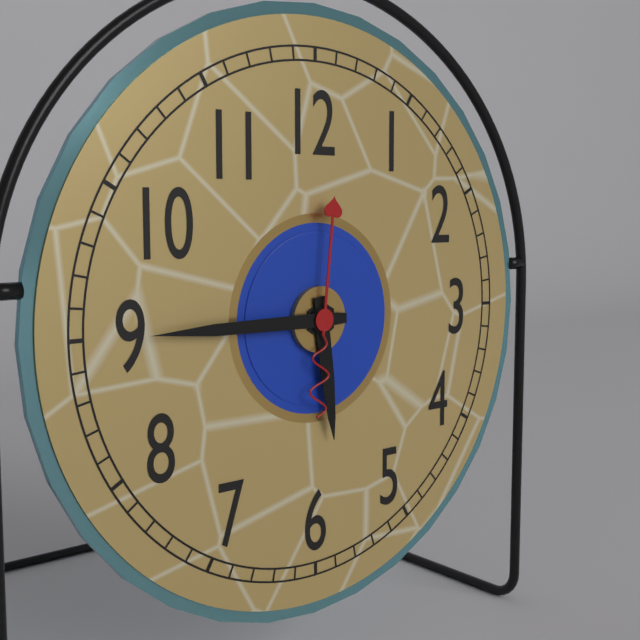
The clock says 5,45,01
